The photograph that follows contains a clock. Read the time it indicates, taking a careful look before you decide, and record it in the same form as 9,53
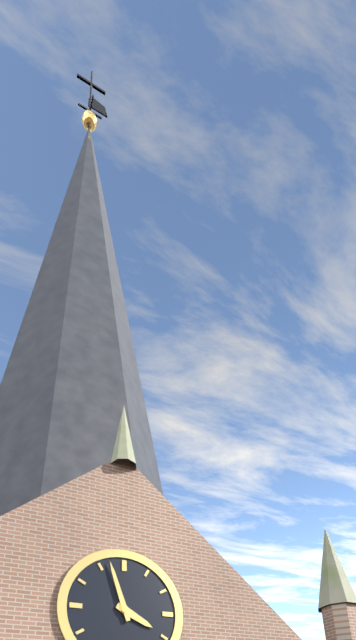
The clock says 3,57
